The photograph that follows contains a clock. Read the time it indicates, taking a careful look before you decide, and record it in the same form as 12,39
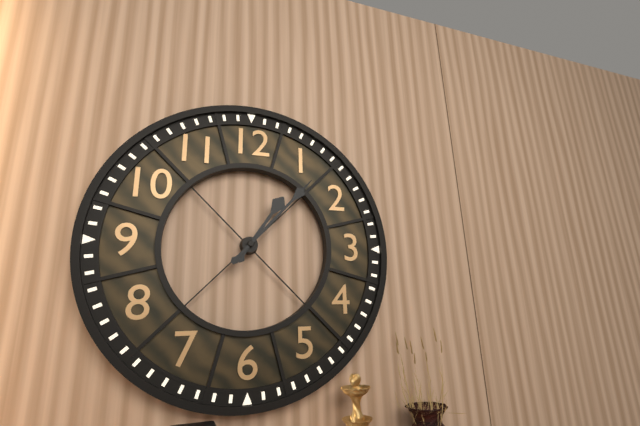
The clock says 1,07
